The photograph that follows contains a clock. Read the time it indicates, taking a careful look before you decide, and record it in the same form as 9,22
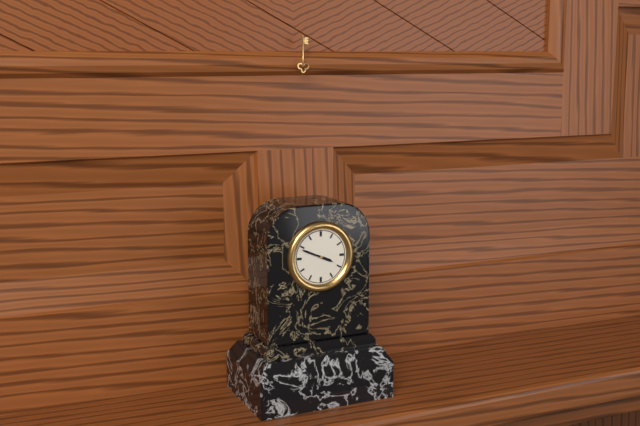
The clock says 3,49
